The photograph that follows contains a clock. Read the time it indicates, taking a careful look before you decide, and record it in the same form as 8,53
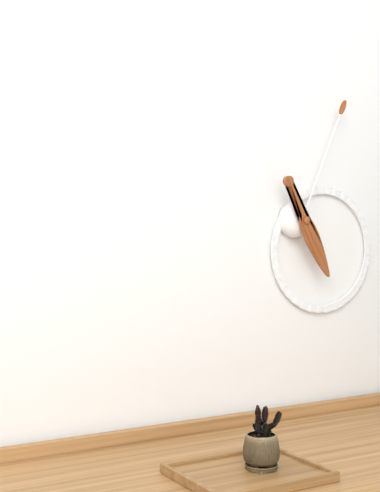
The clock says 5,04
